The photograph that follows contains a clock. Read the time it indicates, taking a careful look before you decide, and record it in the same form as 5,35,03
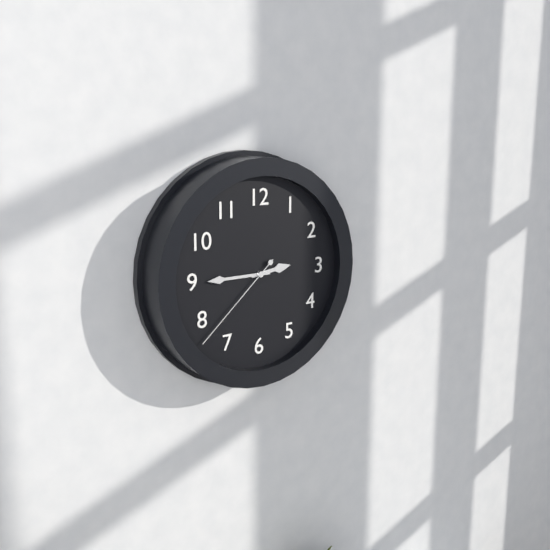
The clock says 2,45,38
